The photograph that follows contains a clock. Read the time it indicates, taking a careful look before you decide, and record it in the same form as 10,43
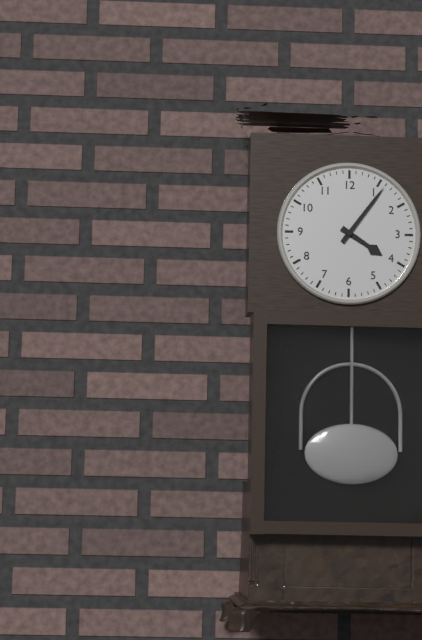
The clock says 4,06
